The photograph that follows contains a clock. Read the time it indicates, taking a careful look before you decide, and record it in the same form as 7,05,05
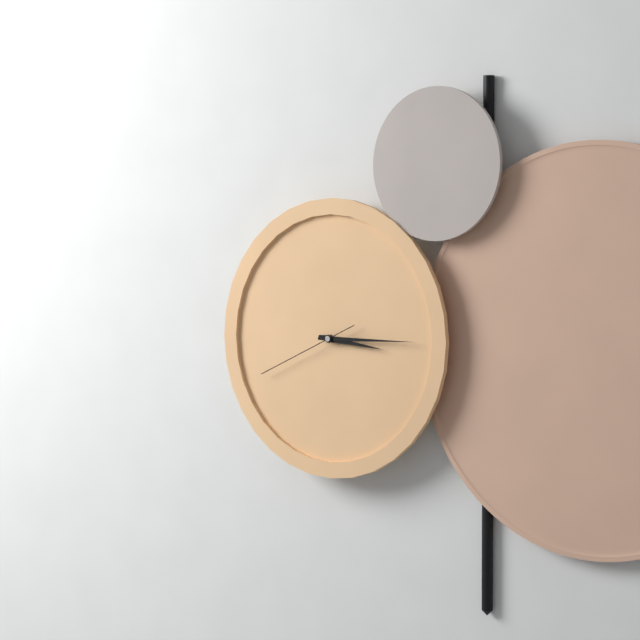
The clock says 3,15,41
